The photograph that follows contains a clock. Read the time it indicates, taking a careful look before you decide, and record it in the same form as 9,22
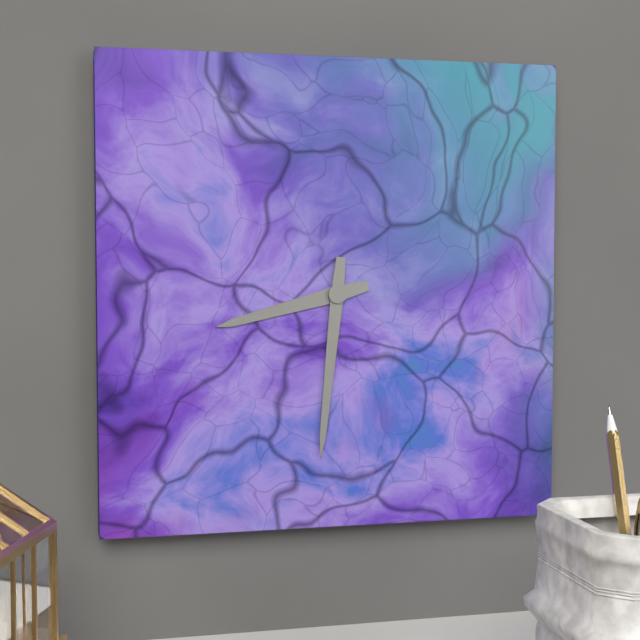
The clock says 8,31
